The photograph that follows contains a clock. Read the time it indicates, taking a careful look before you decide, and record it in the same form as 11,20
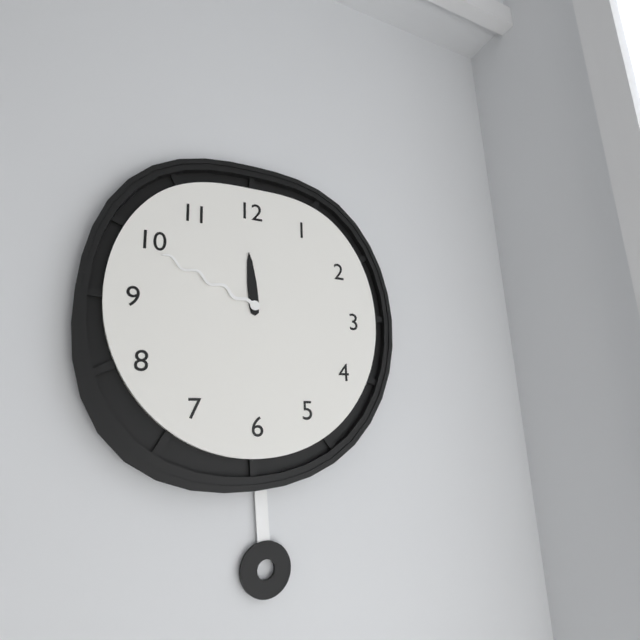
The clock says 11,49
